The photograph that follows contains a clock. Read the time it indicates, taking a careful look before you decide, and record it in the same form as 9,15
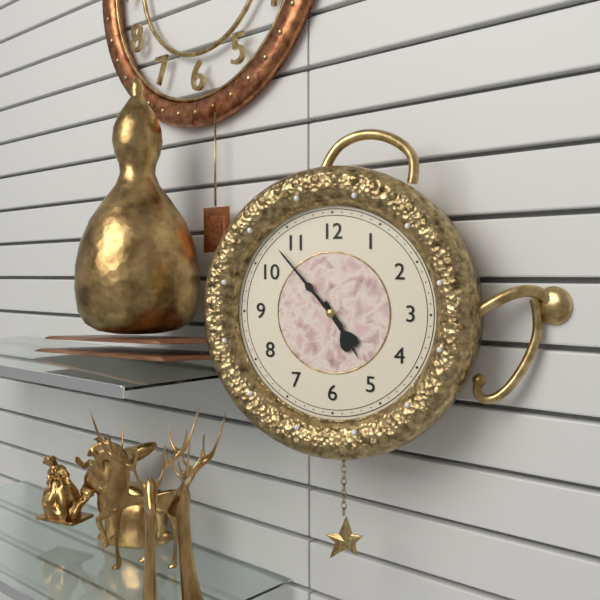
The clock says 4,53
